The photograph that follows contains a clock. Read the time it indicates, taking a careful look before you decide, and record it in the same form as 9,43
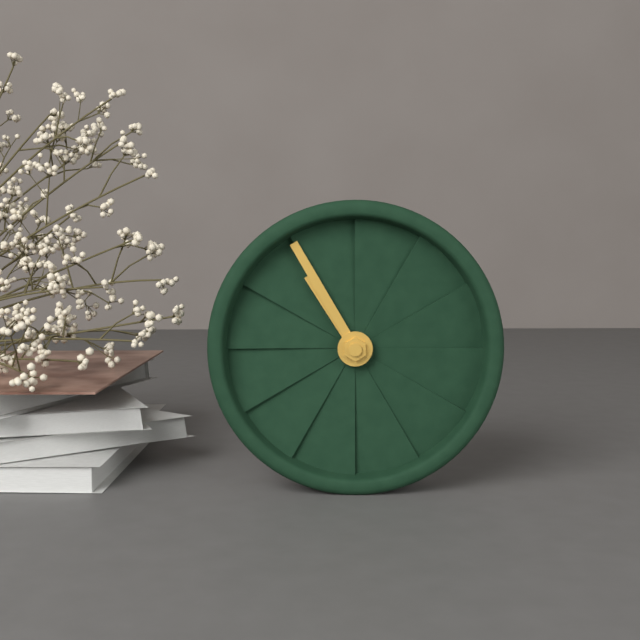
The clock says 10,55
